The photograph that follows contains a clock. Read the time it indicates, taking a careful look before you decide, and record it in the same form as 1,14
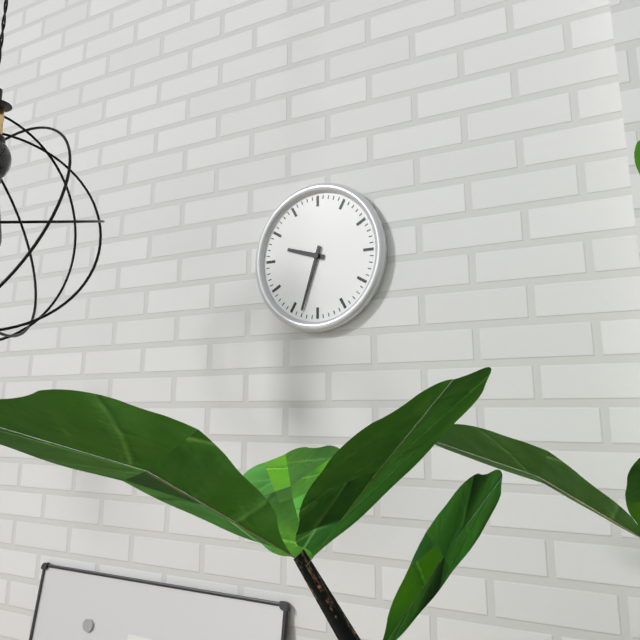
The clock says 9,33
